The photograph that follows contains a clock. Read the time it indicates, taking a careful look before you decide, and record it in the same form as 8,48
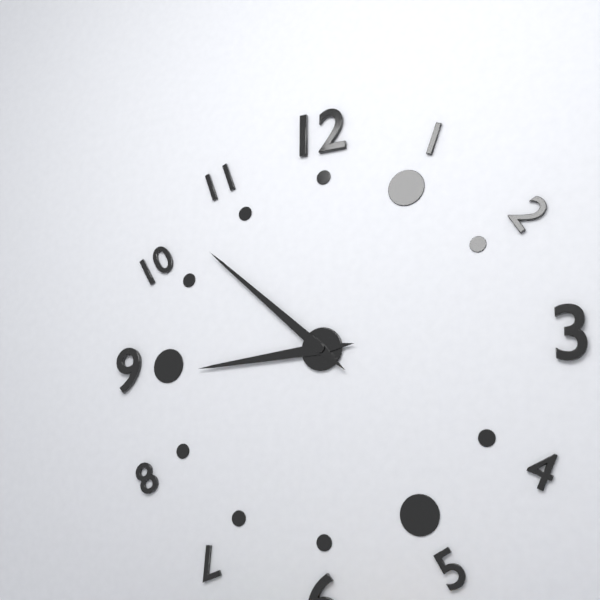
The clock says 8,52
